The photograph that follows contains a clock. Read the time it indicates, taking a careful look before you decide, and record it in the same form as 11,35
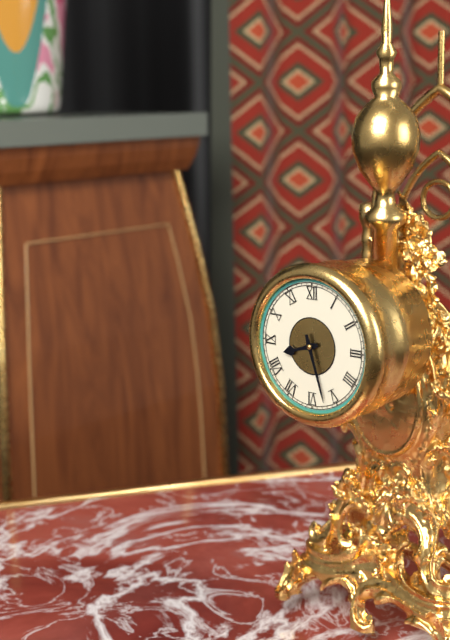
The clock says 8,27
